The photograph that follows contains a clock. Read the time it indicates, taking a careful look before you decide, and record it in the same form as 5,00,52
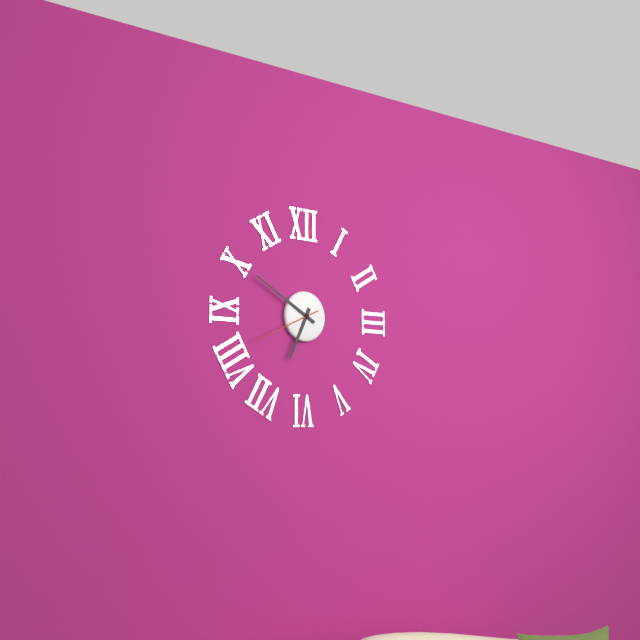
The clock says 6,50,41
